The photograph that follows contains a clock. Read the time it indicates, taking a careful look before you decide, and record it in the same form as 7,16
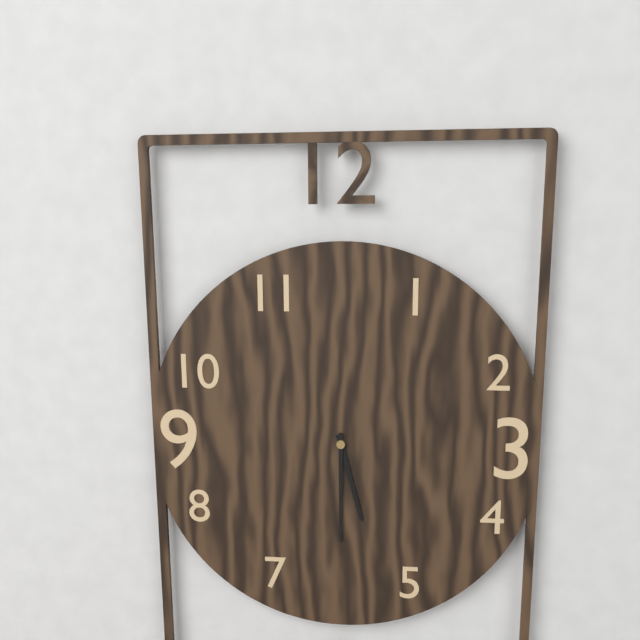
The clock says 5,30
